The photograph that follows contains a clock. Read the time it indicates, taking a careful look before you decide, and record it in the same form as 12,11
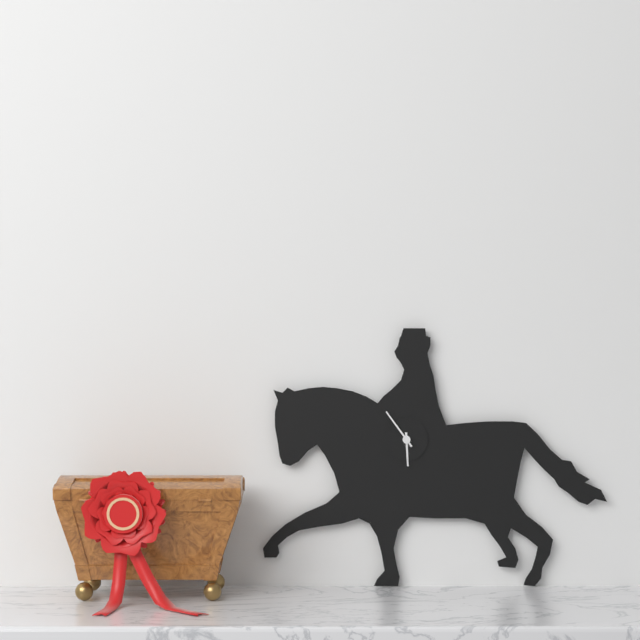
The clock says 5,54
